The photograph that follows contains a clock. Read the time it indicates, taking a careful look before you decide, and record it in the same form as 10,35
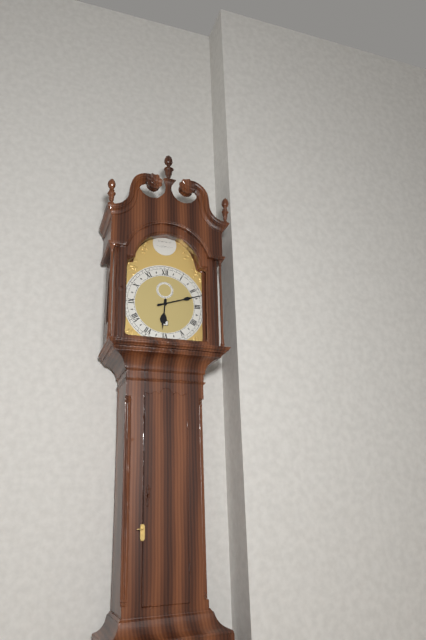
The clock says 6,12
